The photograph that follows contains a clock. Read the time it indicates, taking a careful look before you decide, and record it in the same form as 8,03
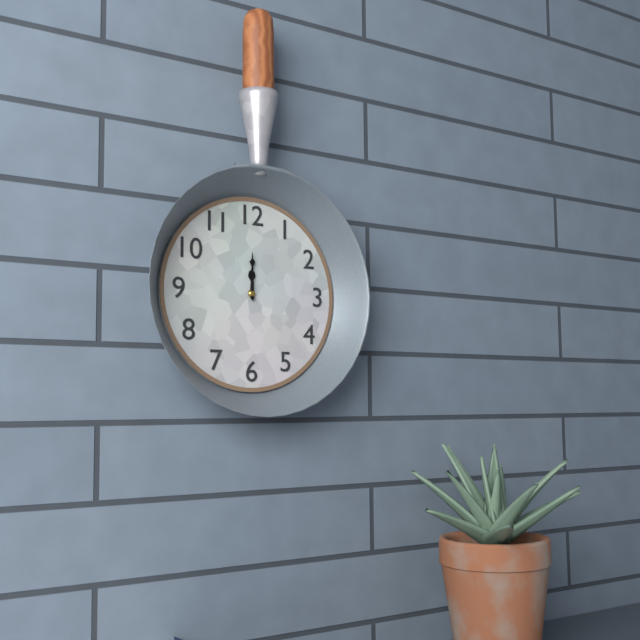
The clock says 12,00
